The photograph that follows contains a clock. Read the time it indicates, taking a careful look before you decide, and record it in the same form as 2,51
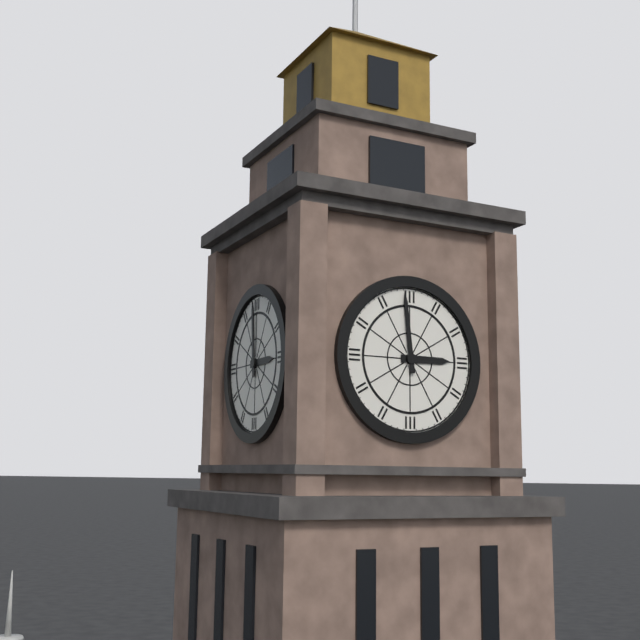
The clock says 2,59
